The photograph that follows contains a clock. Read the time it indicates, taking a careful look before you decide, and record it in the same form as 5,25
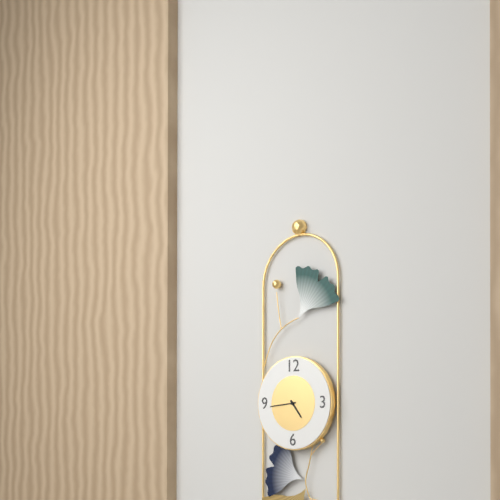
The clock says 4,44
